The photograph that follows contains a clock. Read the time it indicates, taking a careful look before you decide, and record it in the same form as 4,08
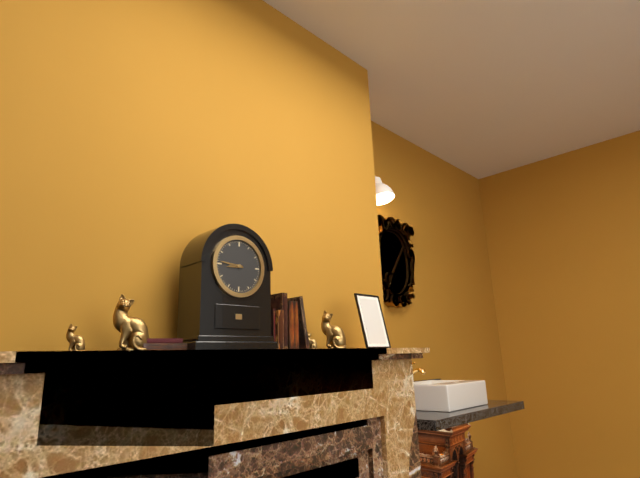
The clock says 8,46
